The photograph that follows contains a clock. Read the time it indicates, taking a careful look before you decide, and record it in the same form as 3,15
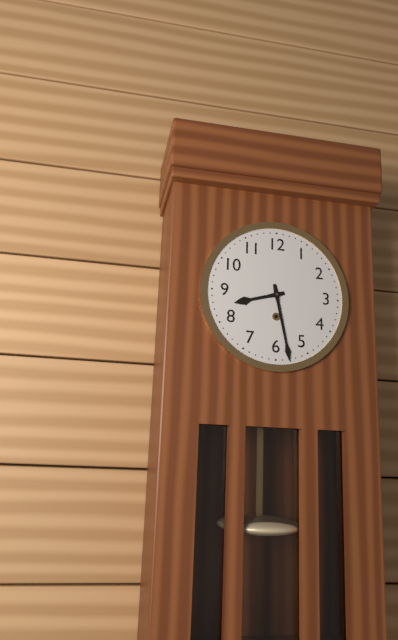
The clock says 8,28
